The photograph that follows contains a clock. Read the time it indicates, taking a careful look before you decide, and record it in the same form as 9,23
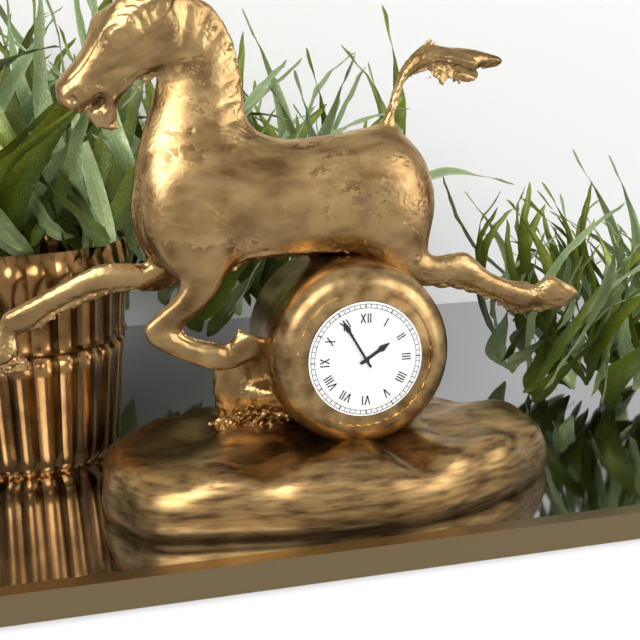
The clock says 1,55
